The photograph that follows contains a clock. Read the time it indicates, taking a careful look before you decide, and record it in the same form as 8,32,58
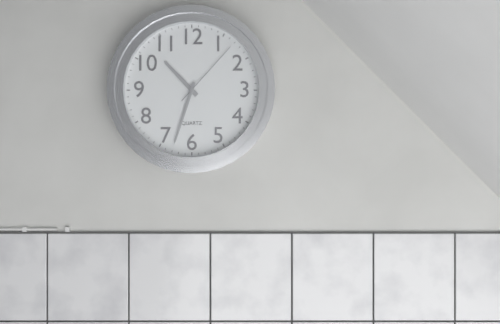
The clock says 10,33,07
